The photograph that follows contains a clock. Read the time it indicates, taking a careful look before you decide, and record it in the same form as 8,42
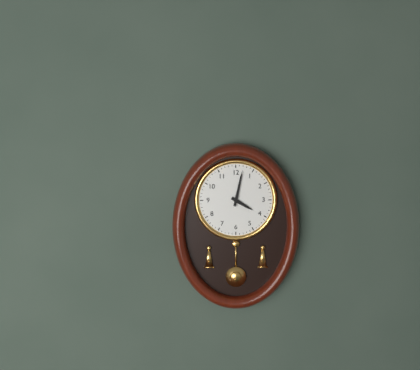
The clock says 4,02
